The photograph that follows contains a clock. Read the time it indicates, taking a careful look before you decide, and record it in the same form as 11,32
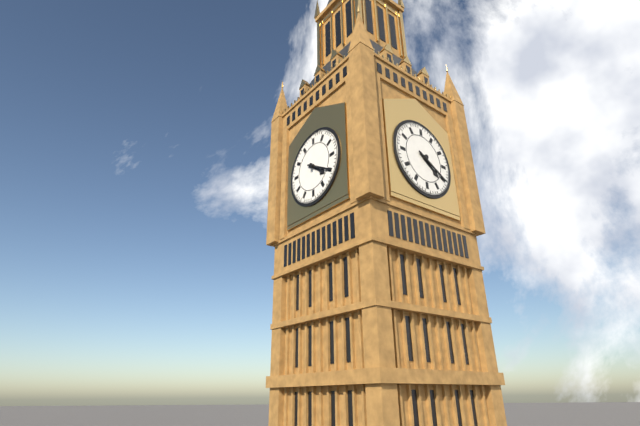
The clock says 4,20
